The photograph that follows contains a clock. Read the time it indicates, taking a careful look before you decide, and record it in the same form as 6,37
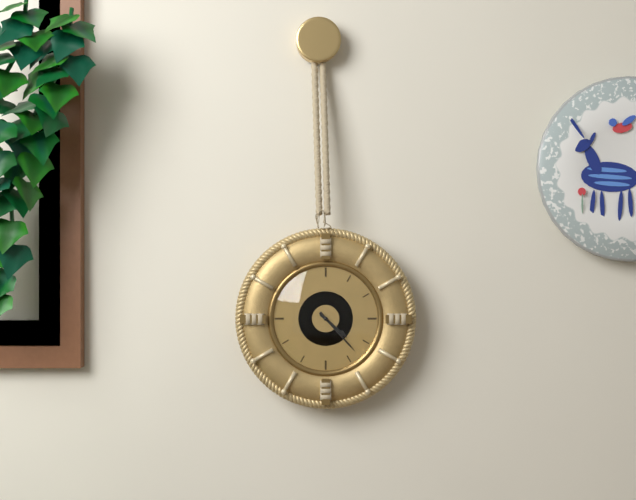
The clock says 4,23
